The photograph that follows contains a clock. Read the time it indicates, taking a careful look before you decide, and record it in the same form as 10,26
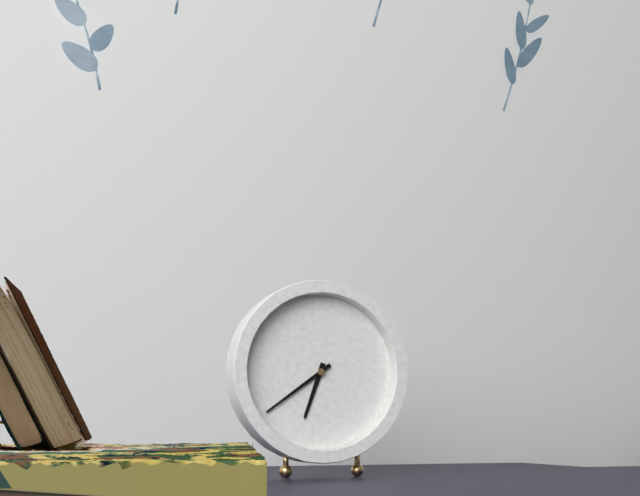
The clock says 6,39
